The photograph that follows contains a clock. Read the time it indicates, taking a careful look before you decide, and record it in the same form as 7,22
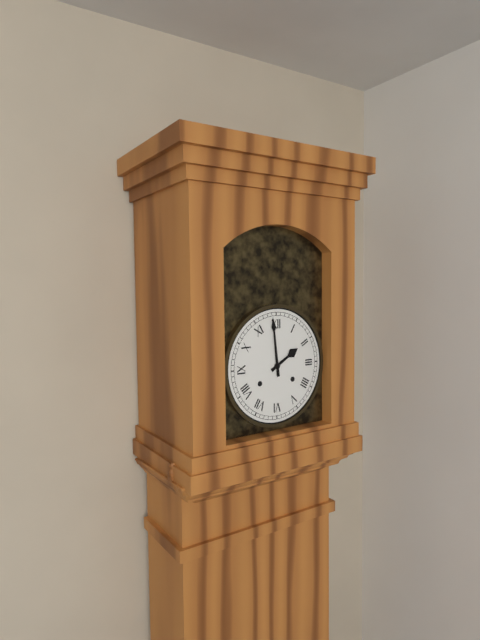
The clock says 1,59
